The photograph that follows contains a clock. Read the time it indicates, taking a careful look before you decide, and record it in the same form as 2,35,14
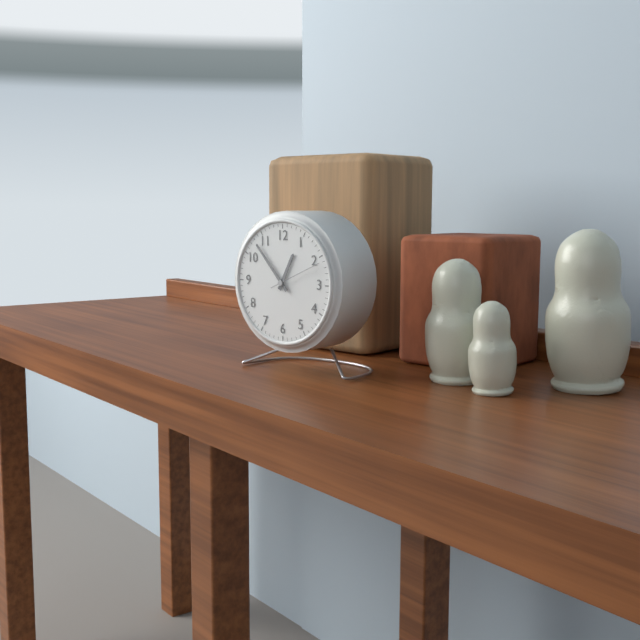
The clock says 12,53,11
